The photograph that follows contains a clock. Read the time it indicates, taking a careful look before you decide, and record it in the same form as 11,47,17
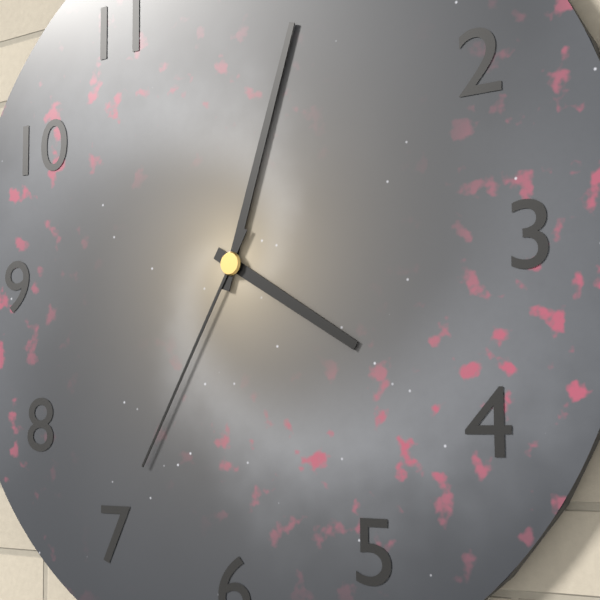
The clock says 4,03,35
